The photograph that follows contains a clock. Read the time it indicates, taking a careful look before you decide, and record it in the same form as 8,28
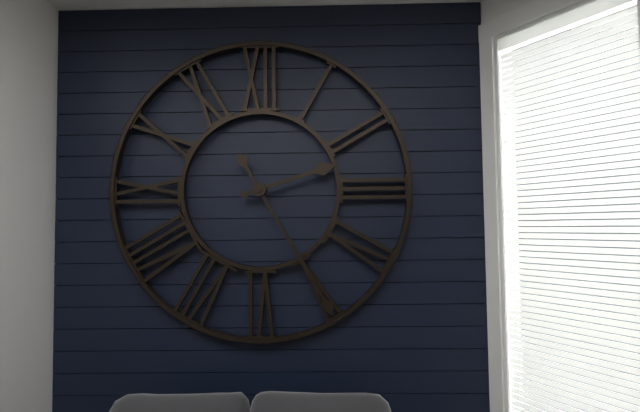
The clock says 2,25
